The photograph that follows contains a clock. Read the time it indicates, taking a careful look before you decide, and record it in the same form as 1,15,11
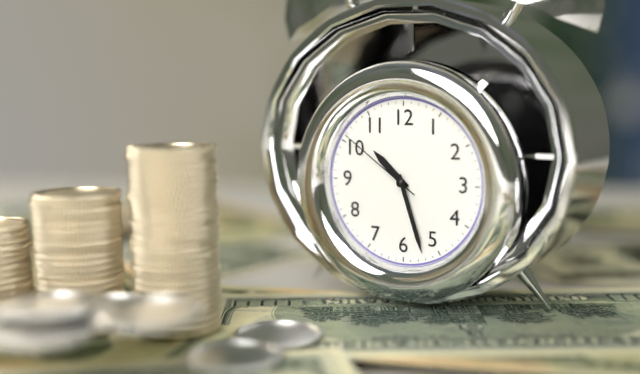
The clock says 10,27,51
